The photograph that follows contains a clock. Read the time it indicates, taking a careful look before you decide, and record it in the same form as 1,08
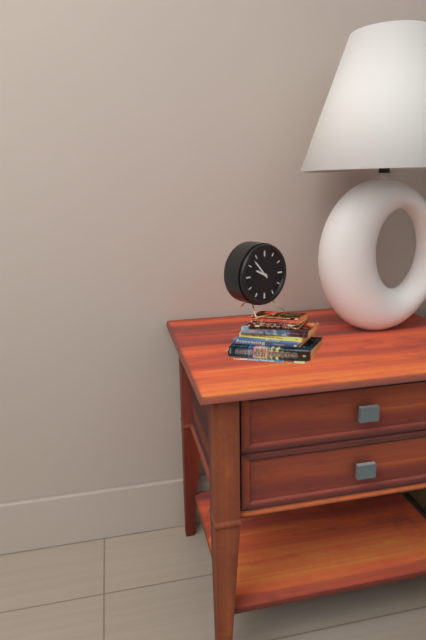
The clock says 9,53
